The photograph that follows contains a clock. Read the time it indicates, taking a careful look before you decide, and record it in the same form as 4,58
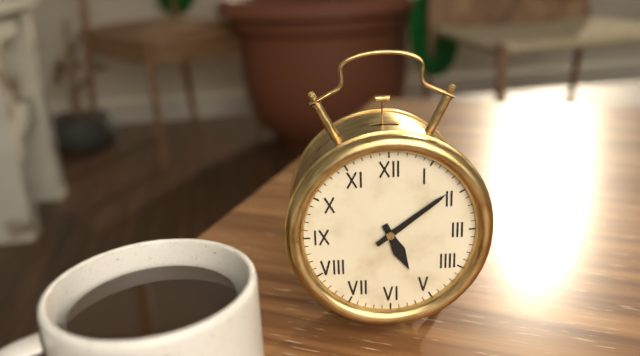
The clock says 5,09
